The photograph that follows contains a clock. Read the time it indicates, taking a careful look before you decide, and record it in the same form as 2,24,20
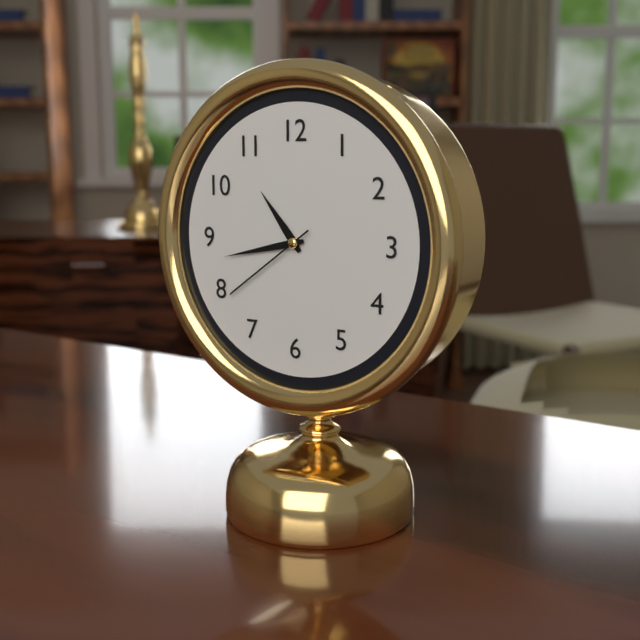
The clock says 10,43,39
